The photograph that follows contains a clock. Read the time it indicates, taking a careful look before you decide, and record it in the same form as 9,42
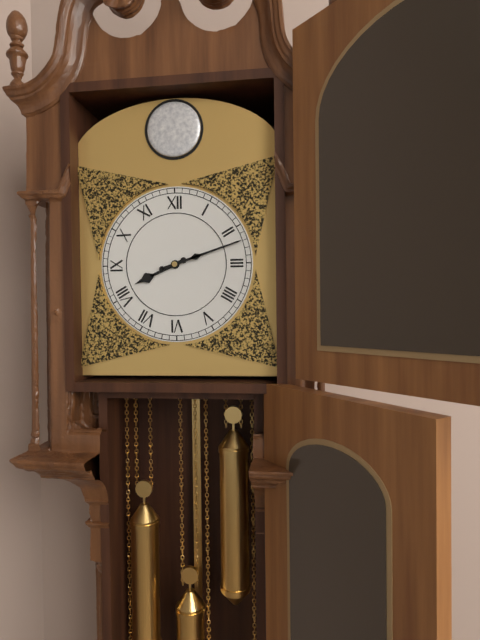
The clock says 8,12
